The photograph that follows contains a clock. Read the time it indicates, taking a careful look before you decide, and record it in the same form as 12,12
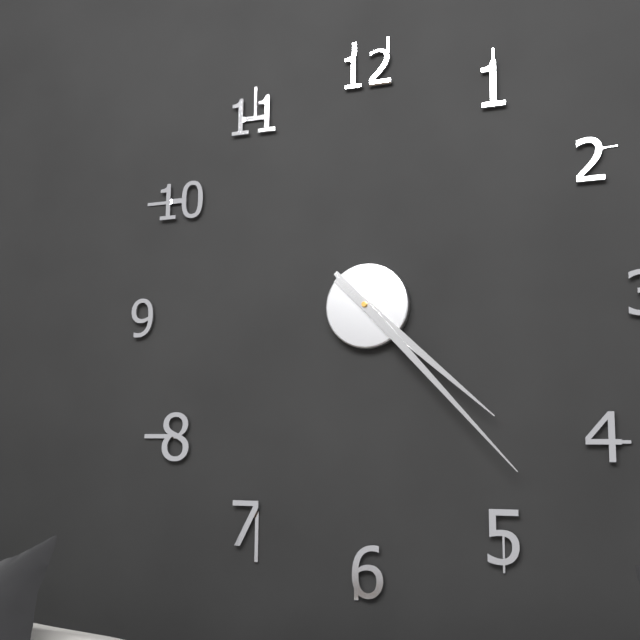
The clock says 4,23
